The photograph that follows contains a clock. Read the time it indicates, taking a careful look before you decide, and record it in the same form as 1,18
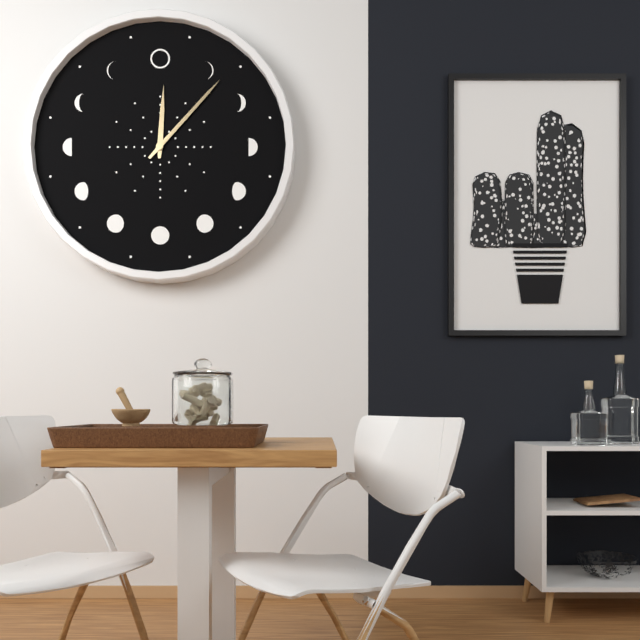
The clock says 12,07
